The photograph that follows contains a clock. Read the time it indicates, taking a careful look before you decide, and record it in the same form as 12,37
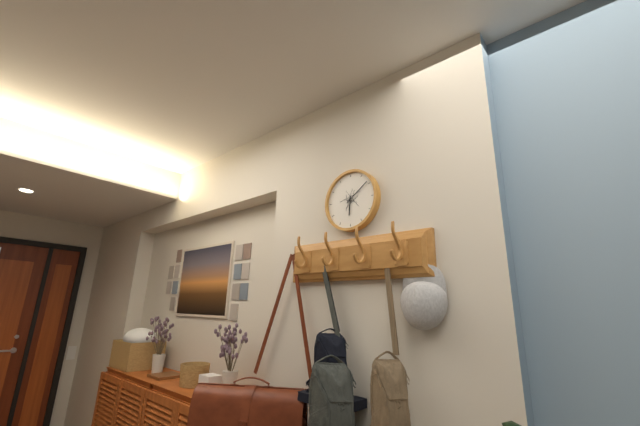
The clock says 6,09
